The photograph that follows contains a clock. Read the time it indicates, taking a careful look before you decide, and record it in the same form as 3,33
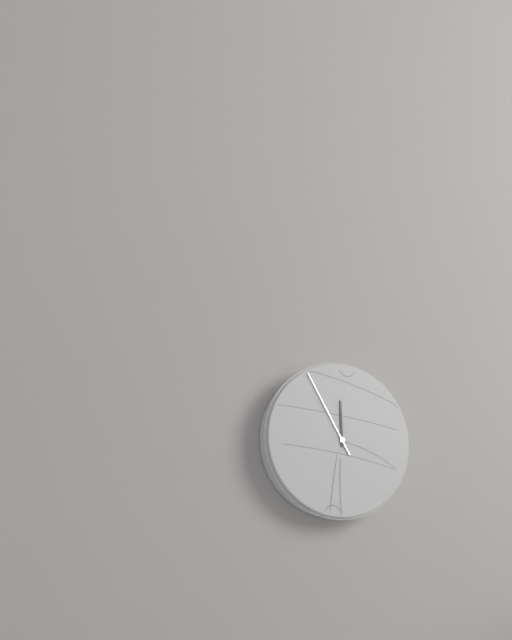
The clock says 11,55
